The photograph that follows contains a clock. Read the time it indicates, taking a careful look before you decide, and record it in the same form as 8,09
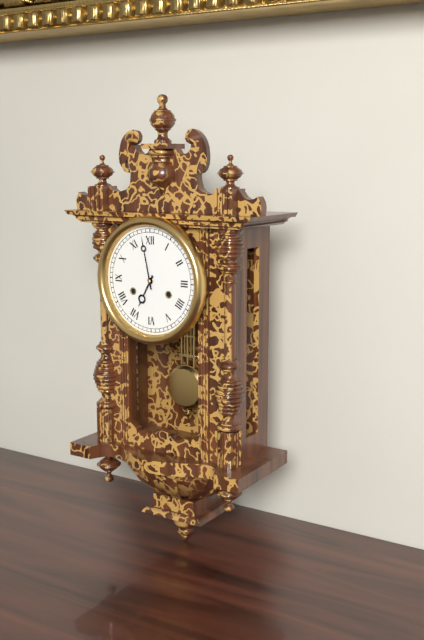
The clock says 6,58
